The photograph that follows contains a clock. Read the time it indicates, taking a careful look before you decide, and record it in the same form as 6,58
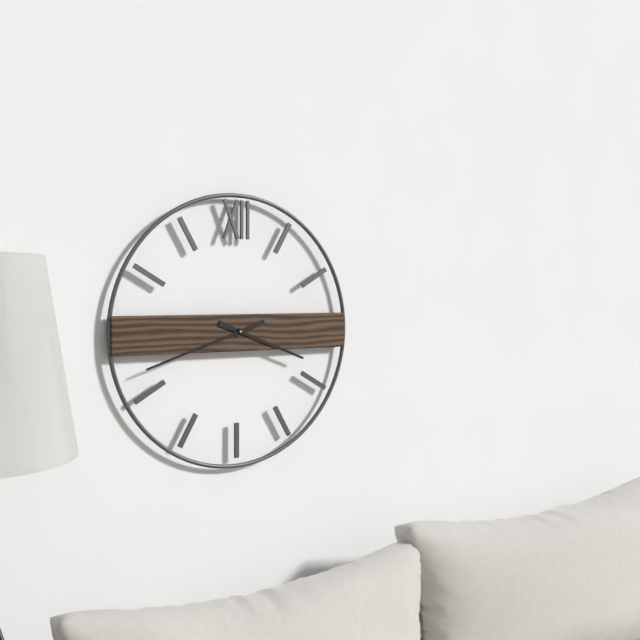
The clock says 3,42
